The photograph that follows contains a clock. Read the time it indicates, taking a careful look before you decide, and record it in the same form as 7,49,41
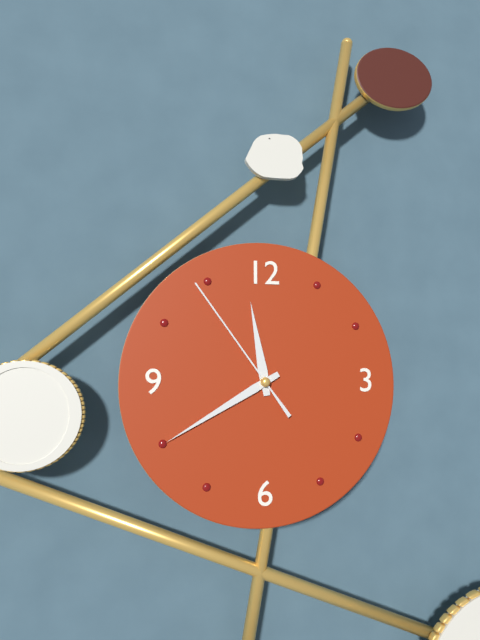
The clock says 11,40,54
